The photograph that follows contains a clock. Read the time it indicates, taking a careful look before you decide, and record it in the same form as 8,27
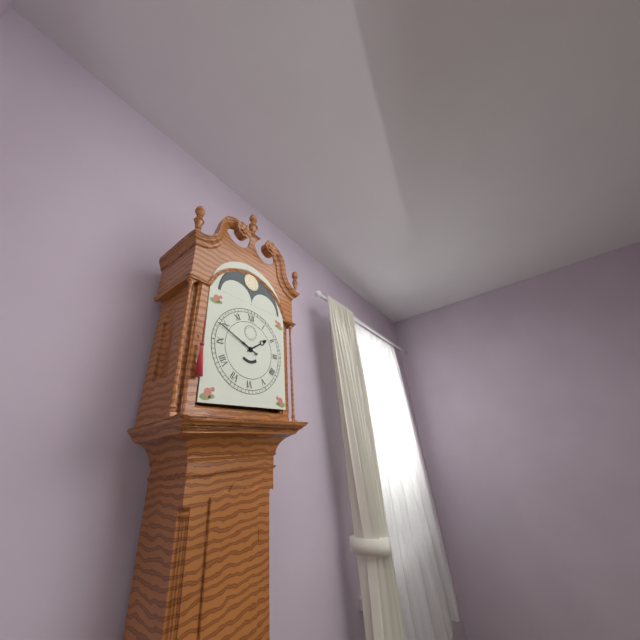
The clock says 1,49
